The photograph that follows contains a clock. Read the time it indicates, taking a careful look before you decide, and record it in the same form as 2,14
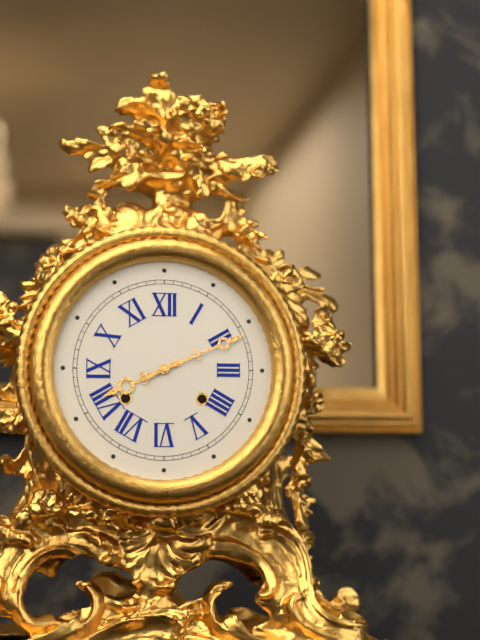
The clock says 8,11
